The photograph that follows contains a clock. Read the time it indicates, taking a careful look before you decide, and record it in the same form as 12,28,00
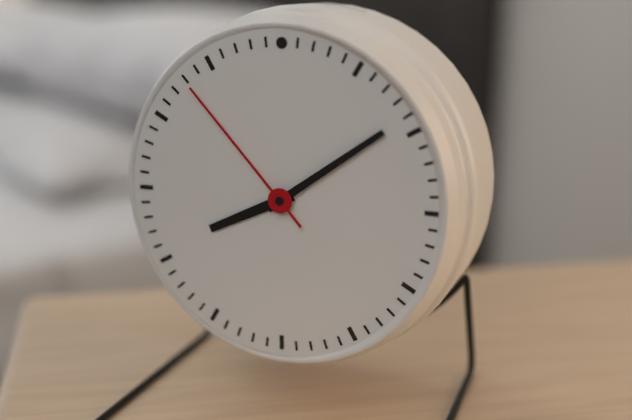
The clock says 8,09,53
